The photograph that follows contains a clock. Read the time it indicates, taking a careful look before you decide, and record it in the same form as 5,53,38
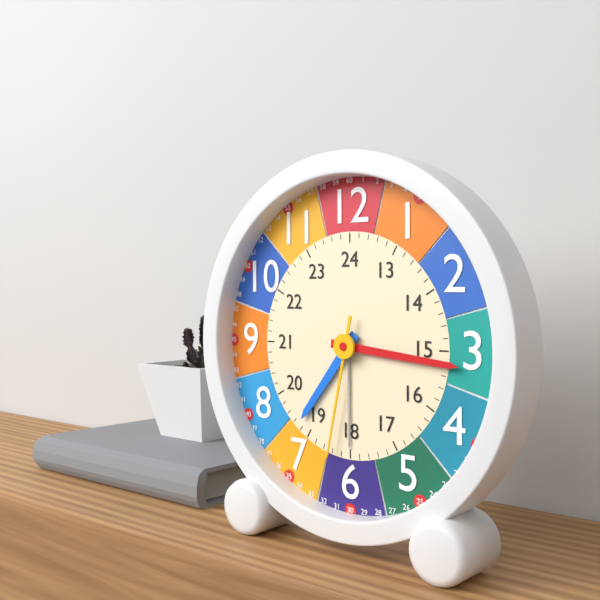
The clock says 7,16,32
